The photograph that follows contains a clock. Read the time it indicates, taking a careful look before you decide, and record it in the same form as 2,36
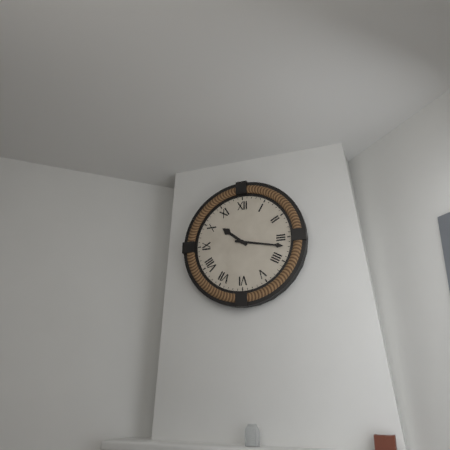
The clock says 10,17
